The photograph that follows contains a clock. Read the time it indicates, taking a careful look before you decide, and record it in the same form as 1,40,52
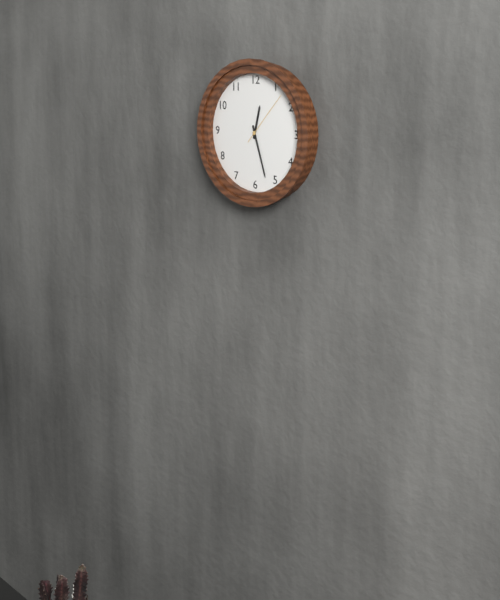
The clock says 12,27,07
